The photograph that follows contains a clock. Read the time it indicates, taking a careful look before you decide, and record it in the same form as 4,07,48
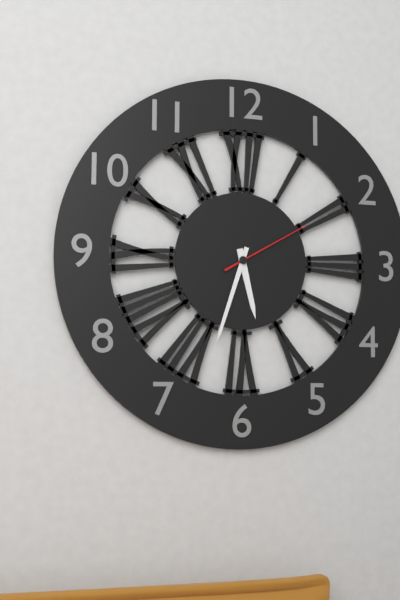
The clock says 5,33,10
